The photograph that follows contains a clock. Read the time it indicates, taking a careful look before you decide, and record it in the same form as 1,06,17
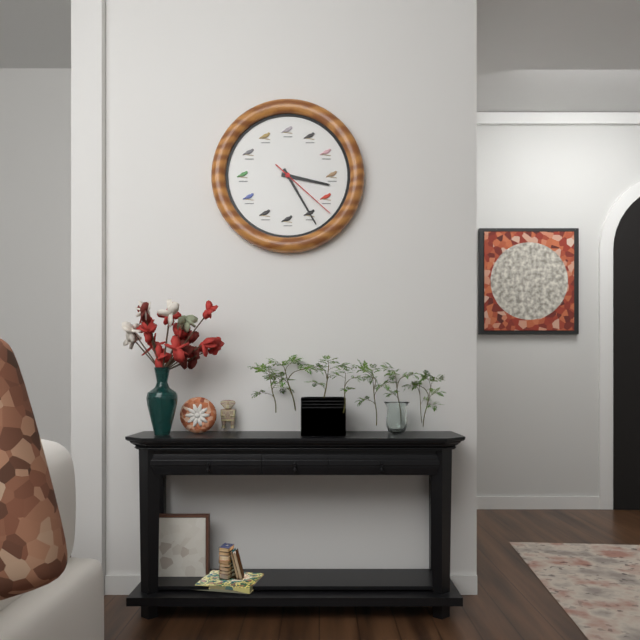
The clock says 3,25,22
